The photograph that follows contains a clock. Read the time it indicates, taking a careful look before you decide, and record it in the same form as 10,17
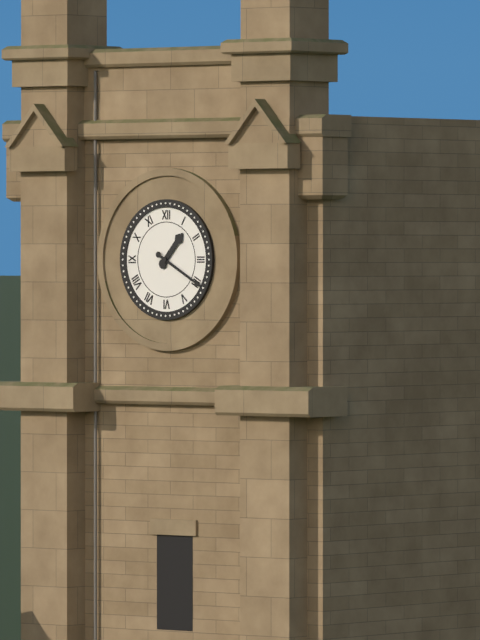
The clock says 1,20
